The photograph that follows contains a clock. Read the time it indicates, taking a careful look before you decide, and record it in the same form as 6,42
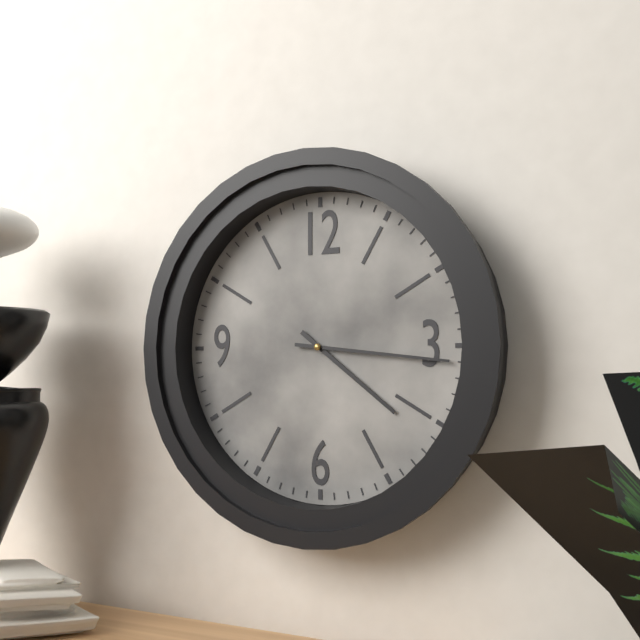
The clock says 4,16
